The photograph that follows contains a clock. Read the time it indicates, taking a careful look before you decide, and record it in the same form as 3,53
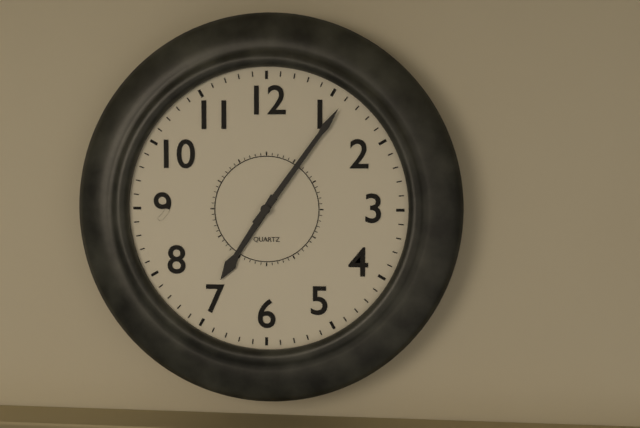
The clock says 7,06
